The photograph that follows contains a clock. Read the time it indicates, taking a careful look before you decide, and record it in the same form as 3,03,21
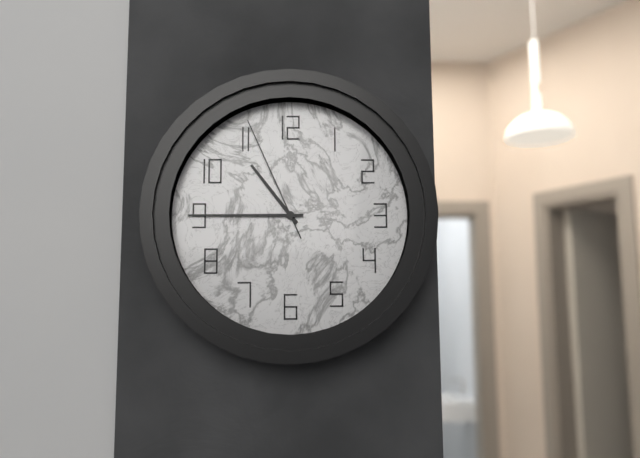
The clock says 10,45,56
